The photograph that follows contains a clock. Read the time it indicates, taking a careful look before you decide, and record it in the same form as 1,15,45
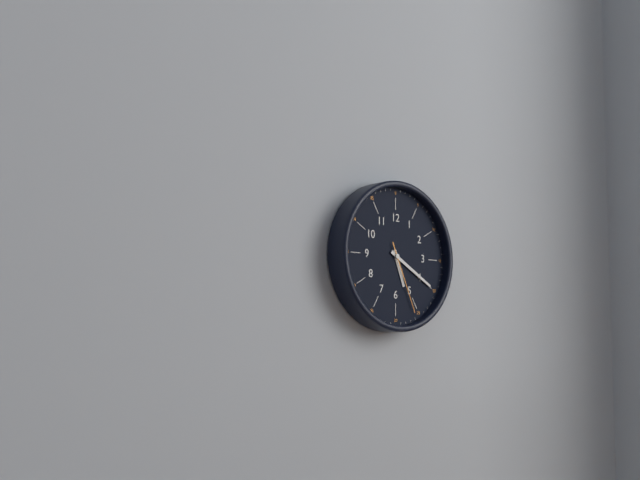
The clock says 5,20,26
